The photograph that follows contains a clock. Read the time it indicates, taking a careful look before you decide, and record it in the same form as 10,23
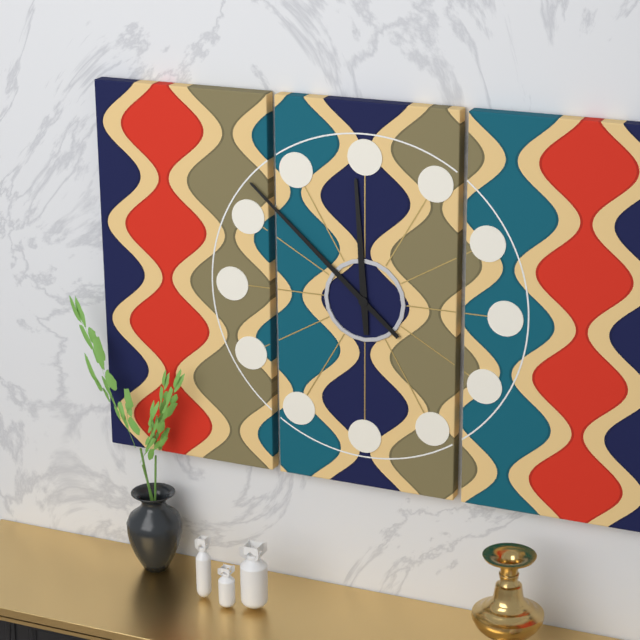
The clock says 11,52
